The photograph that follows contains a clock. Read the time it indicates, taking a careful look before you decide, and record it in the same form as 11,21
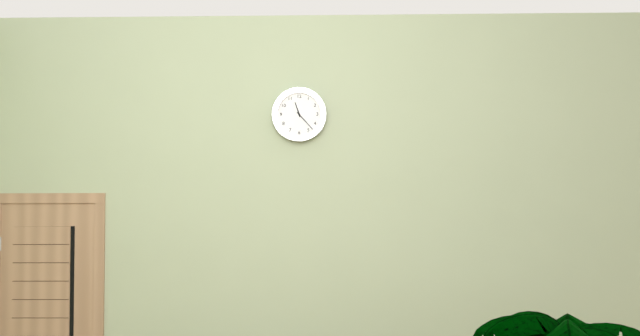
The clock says 11,23
